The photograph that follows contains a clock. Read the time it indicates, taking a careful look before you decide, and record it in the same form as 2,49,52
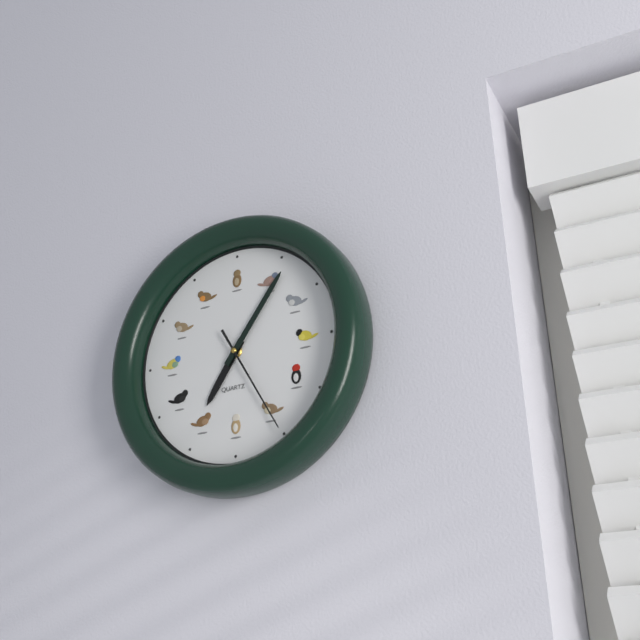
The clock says 7,06,25
